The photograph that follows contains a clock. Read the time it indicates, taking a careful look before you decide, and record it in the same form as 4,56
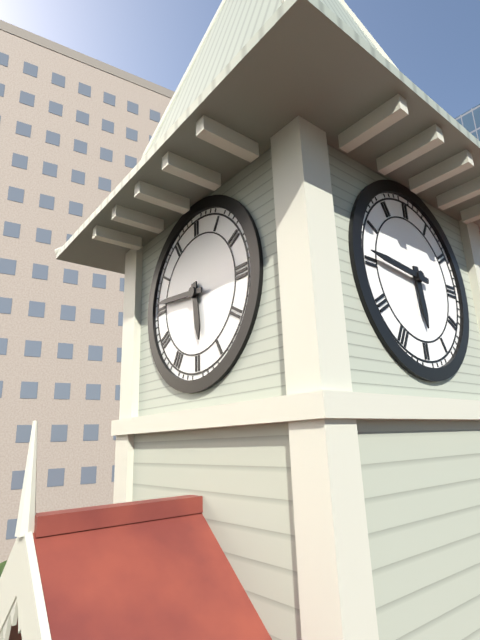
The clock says 5,46
